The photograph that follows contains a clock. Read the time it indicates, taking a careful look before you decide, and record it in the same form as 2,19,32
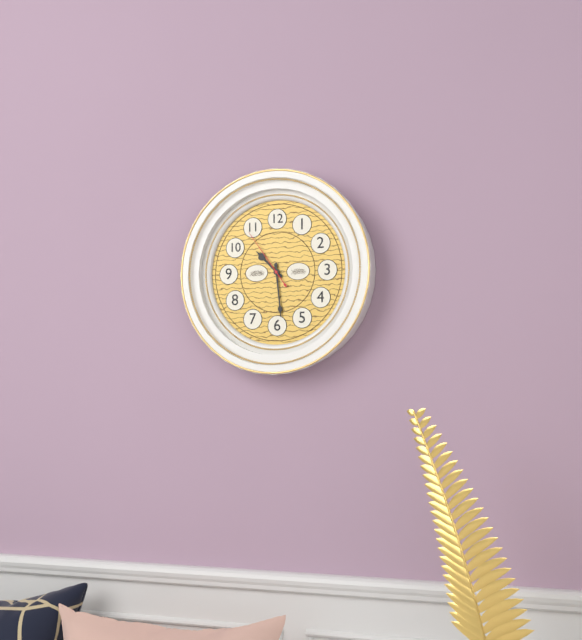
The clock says 10,29,54
